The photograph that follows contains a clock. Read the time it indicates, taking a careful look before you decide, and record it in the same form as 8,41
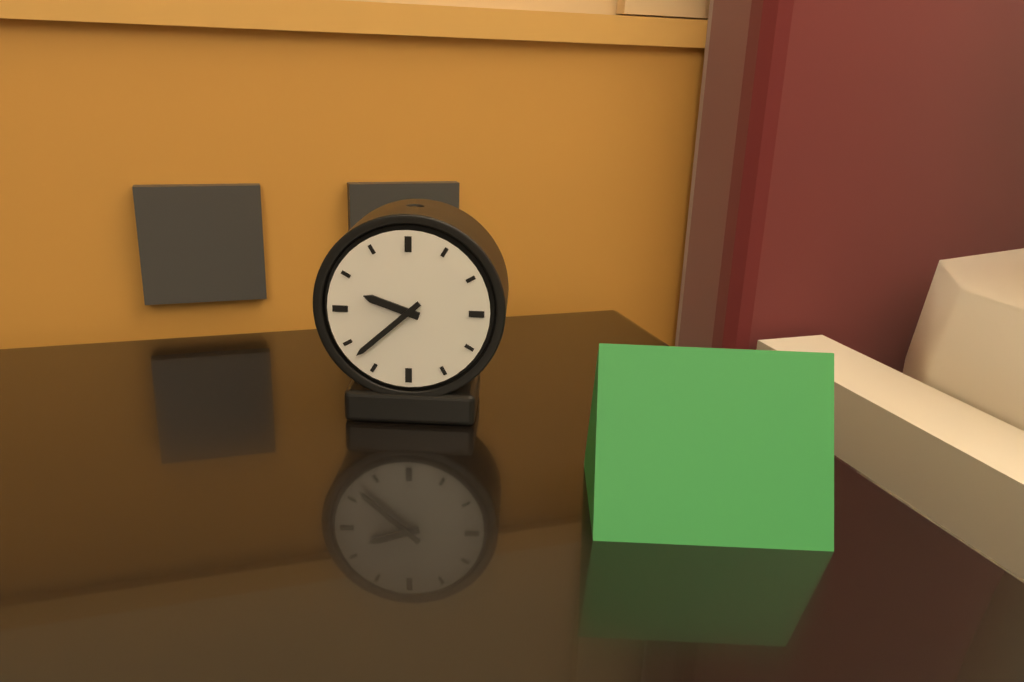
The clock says 9,38
